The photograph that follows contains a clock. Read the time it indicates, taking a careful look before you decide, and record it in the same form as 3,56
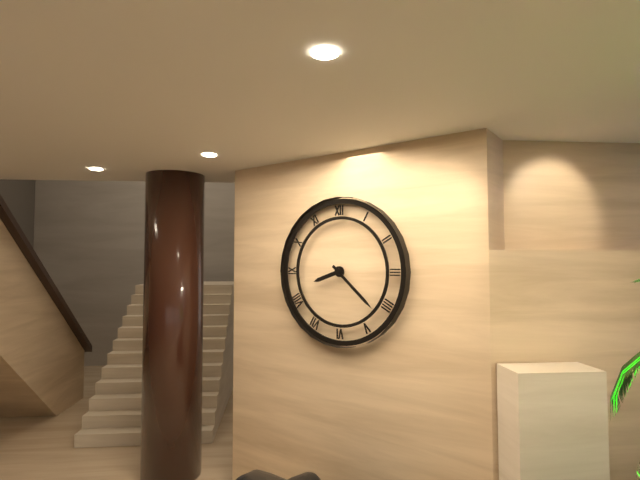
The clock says 8,22
